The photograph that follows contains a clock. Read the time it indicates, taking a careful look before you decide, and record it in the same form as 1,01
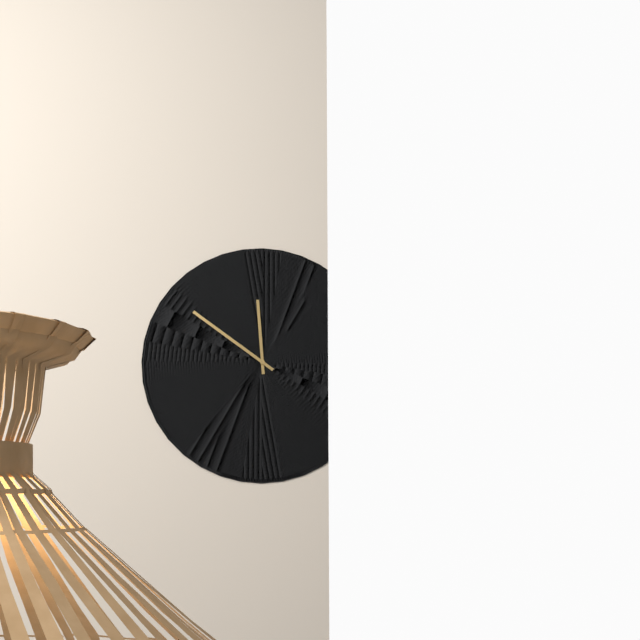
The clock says 11,51
